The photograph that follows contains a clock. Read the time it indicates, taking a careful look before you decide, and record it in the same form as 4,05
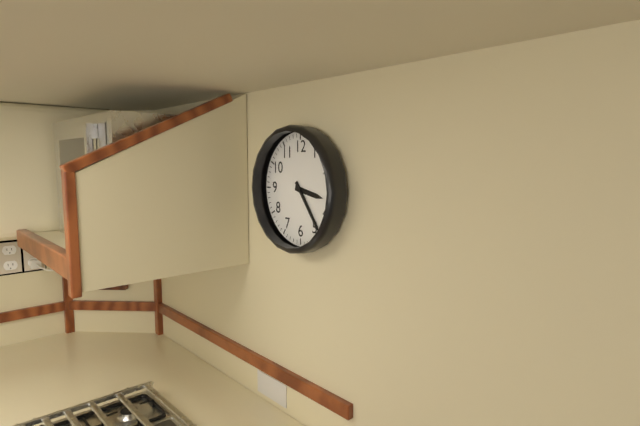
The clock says 3,24
